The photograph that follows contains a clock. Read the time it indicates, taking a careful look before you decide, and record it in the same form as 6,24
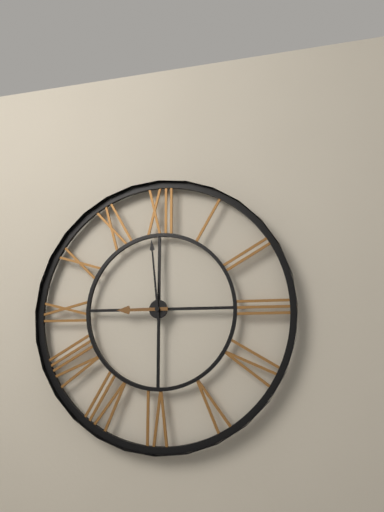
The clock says 8,59
